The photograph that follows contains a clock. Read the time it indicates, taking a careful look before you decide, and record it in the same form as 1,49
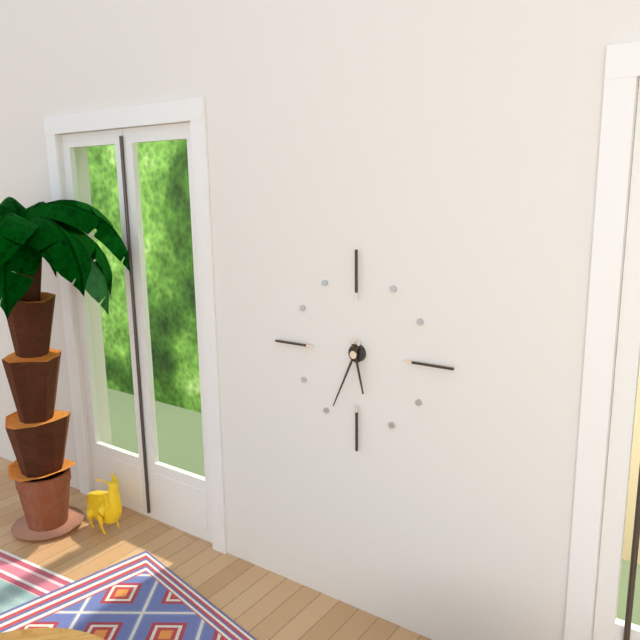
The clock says 5,34
